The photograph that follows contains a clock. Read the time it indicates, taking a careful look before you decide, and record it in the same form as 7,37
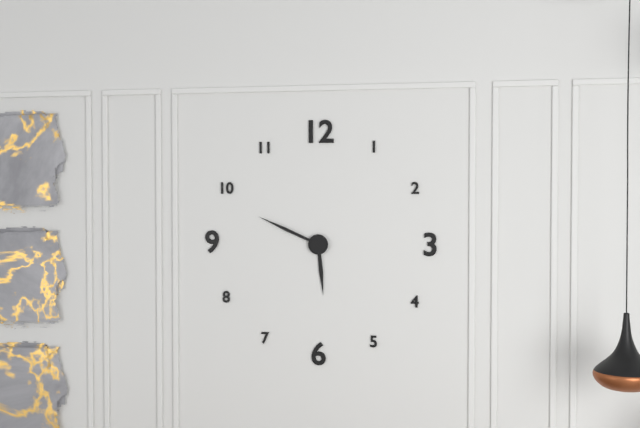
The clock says 5,49
